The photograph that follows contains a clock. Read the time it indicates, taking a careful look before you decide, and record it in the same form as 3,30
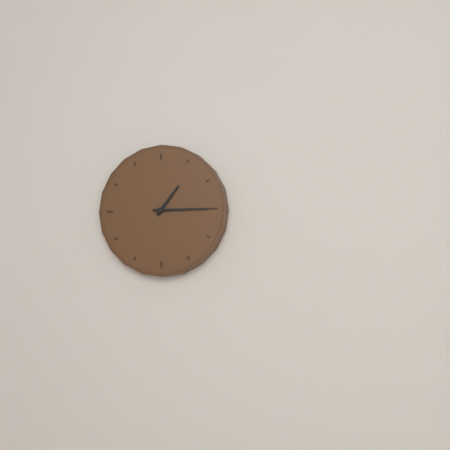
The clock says 1,15
